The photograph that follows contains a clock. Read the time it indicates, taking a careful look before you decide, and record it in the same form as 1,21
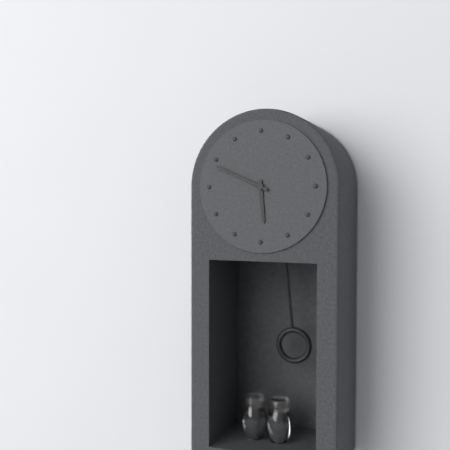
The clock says 5,49
